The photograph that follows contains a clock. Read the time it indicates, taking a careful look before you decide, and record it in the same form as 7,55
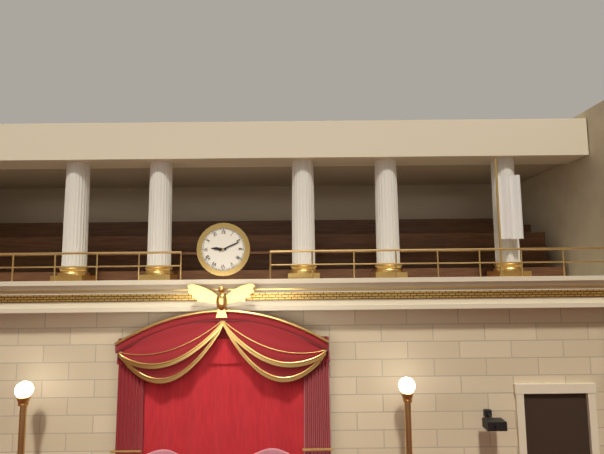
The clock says 9,11
